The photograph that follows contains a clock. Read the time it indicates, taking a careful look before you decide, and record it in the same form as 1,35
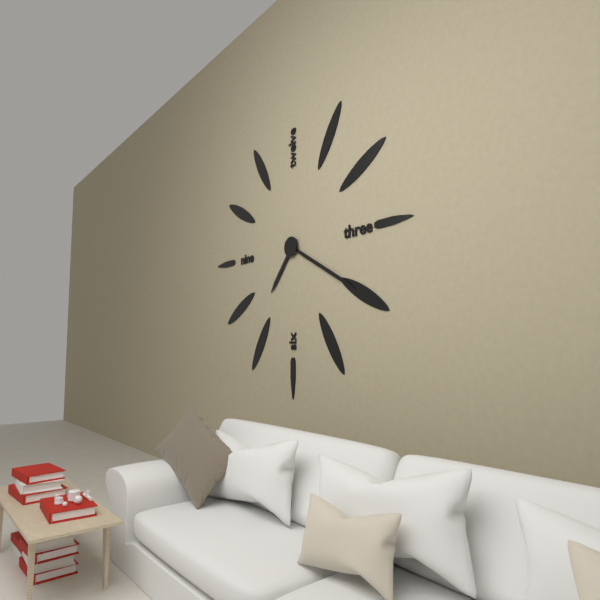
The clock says 7,20
